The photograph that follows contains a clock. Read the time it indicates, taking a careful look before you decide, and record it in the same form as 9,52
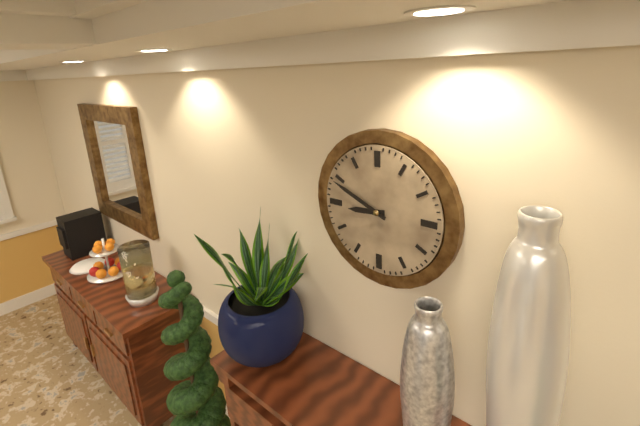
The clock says 8,49
